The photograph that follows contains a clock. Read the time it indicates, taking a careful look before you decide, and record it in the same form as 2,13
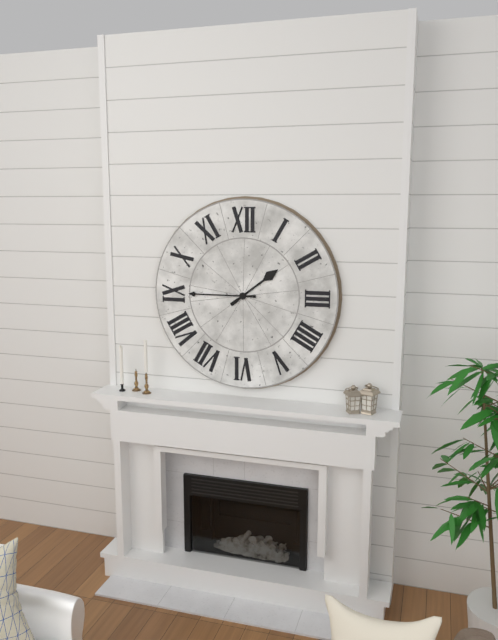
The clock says 1,45
